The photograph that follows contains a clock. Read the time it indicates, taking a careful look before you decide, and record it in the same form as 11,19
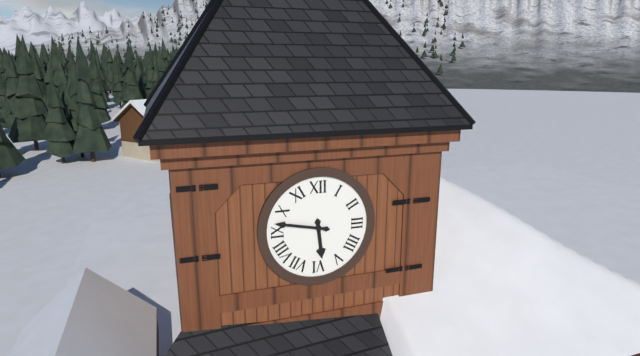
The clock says 5,47
